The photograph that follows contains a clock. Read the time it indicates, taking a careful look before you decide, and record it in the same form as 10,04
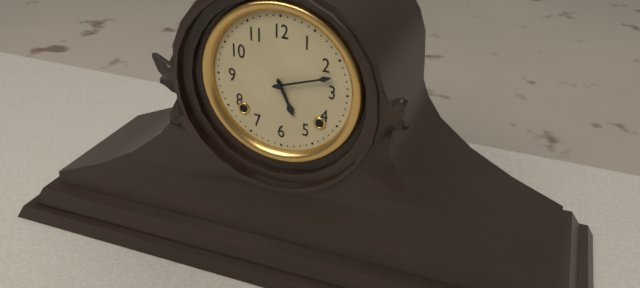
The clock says 5,12
